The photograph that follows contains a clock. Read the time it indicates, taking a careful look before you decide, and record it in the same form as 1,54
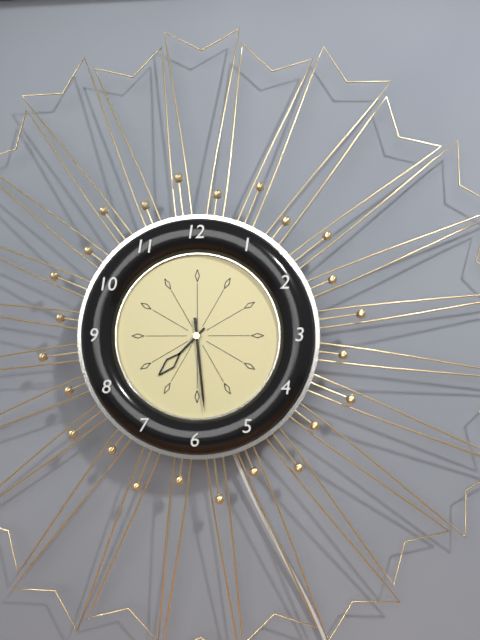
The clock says 7,29
